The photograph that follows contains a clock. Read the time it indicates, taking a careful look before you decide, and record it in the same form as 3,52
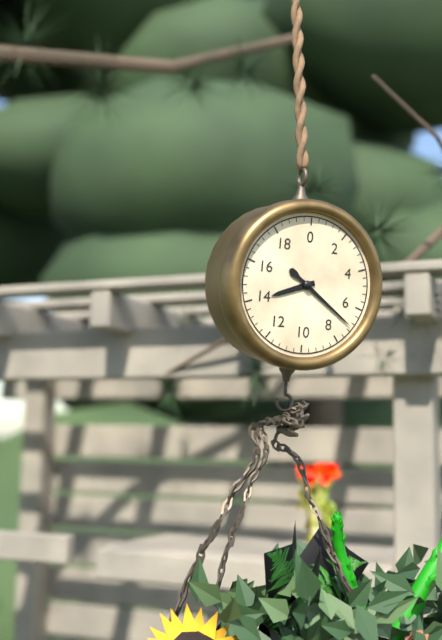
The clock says 8,21
